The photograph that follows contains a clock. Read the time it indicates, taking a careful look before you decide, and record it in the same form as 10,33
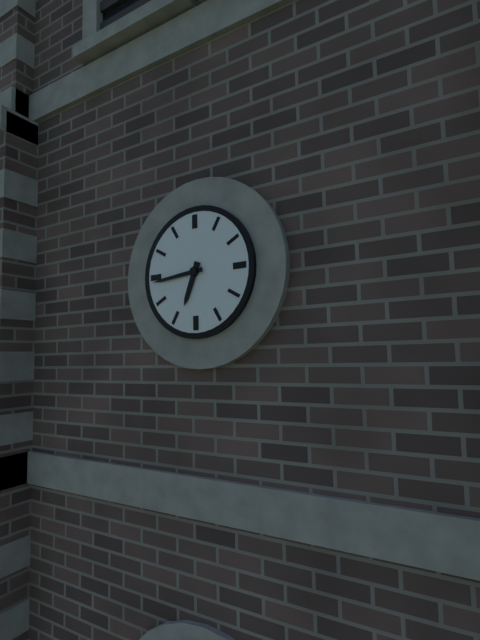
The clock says 6,44
